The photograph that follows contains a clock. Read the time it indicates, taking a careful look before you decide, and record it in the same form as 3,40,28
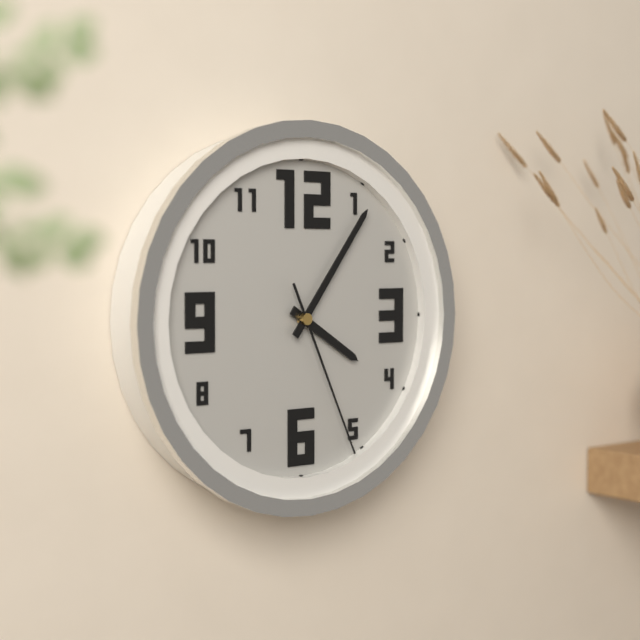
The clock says 4,06,26
